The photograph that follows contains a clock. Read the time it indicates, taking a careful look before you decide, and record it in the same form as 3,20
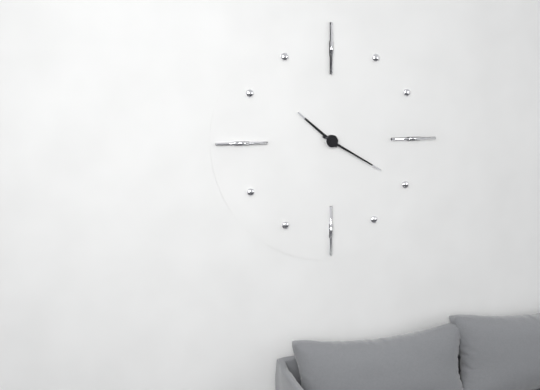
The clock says 10,20
